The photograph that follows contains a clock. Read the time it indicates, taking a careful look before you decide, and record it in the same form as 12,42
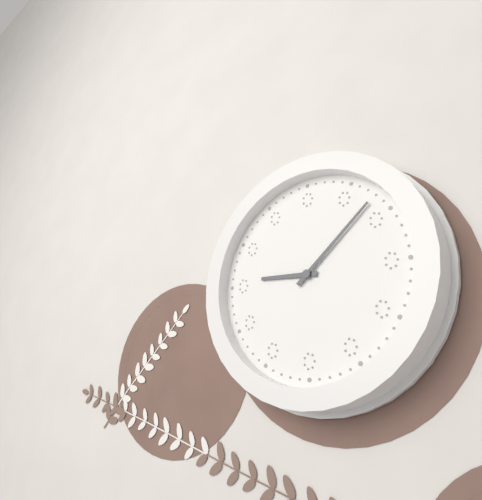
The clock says 9,08
